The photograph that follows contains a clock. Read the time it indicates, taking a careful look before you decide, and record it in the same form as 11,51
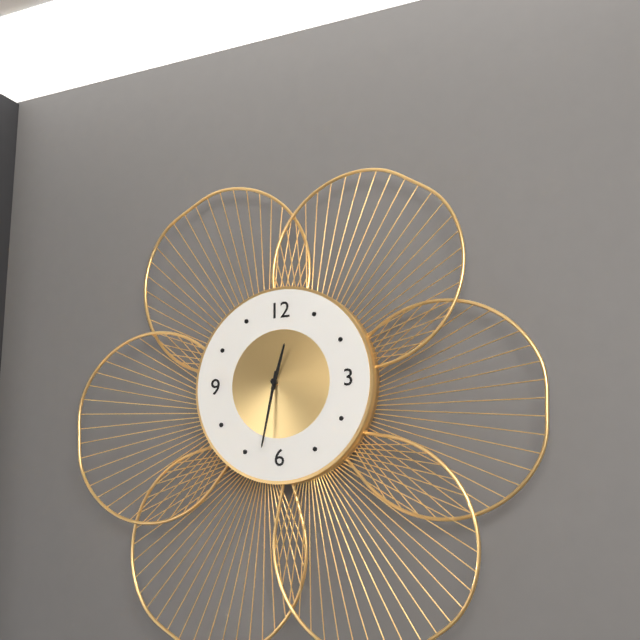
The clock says 12,32
